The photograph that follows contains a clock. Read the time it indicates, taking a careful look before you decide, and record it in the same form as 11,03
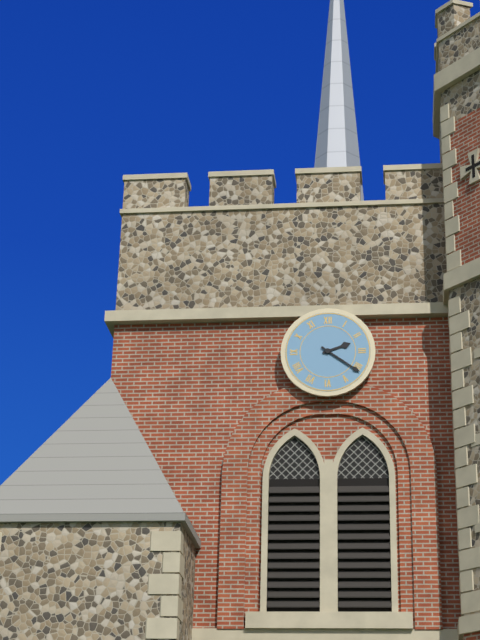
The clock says 2,21
